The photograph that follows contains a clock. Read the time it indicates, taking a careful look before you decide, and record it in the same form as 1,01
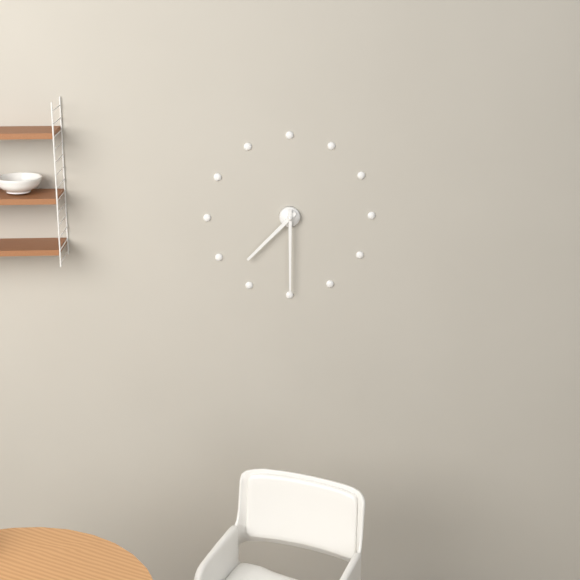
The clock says 7,30
